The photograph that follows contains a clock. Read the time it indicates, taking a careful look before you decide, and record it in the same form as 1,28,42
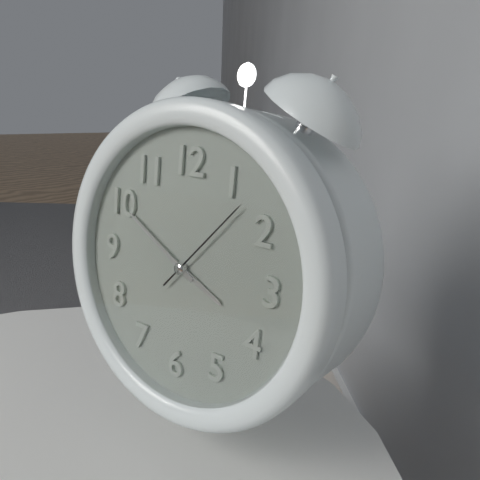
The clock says 3,50,07
